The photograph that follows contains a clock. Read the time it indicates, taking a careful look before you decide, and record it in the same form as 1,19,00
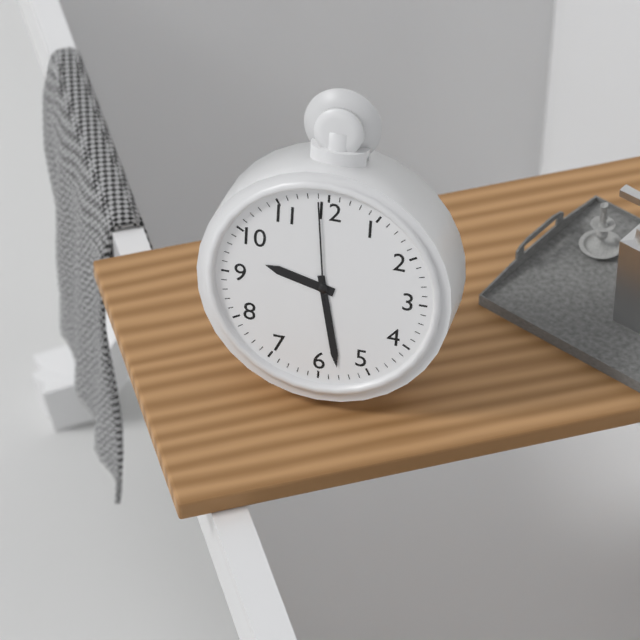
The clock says 9,28,59
